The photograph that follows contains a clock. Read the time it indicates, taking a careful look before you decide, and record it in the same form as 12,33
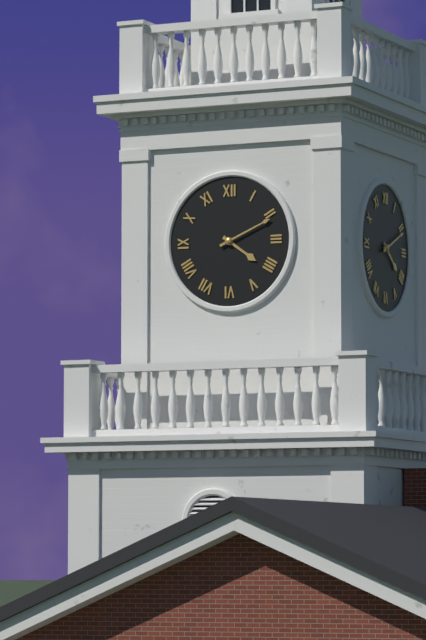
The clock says 4,11
